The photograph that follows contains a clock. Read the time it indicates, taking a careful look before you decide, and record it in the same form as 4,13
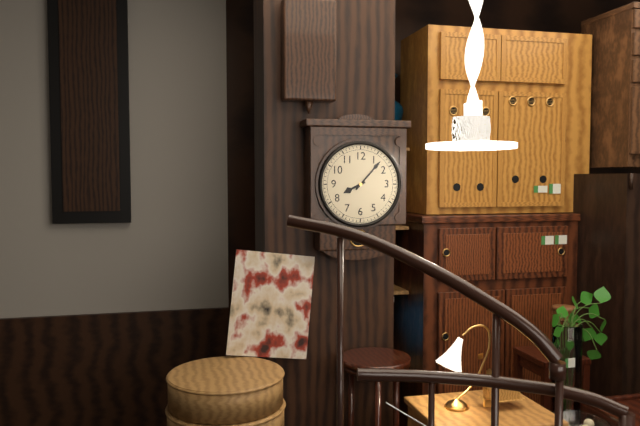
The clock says 8,07
